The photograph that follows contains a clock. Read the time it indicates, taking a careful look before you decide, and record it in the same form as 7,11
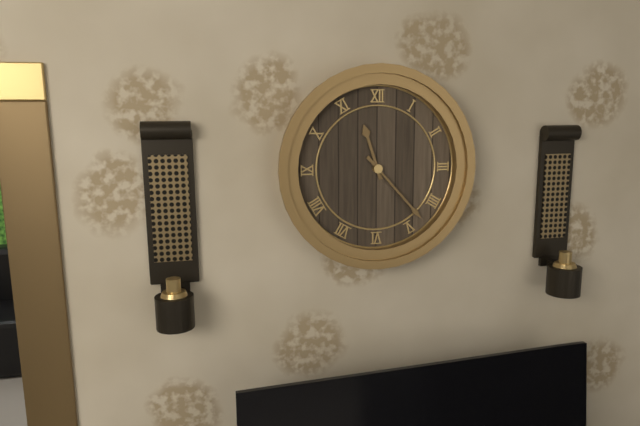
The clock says 11,23
